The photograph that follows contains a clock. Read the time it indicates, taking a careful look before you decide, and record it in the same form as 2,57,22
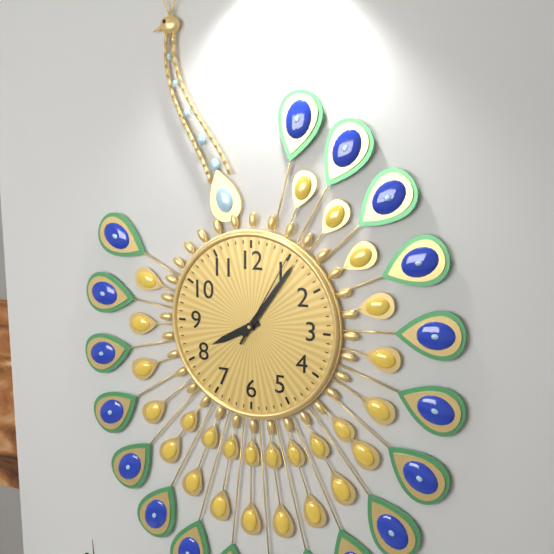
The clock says 8,06,05
